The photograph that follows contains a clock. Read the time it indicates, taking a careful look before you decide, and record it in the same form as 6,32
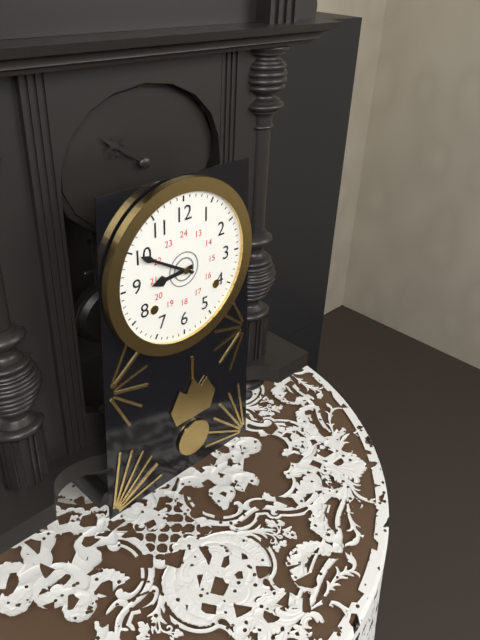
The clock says 8,50
